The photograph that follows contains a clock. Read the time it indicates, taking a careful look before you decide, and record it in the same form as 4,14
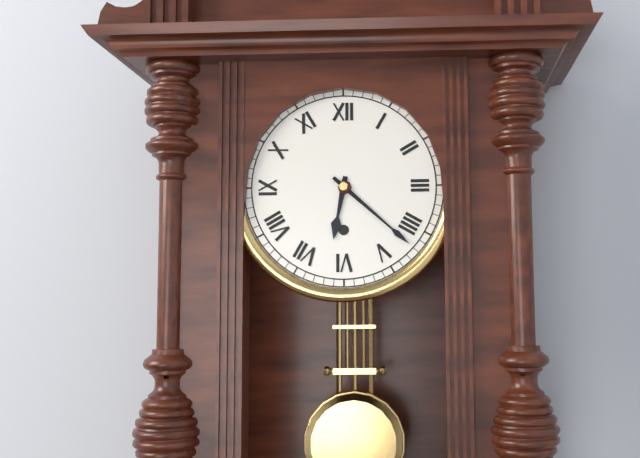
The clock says 6,22
